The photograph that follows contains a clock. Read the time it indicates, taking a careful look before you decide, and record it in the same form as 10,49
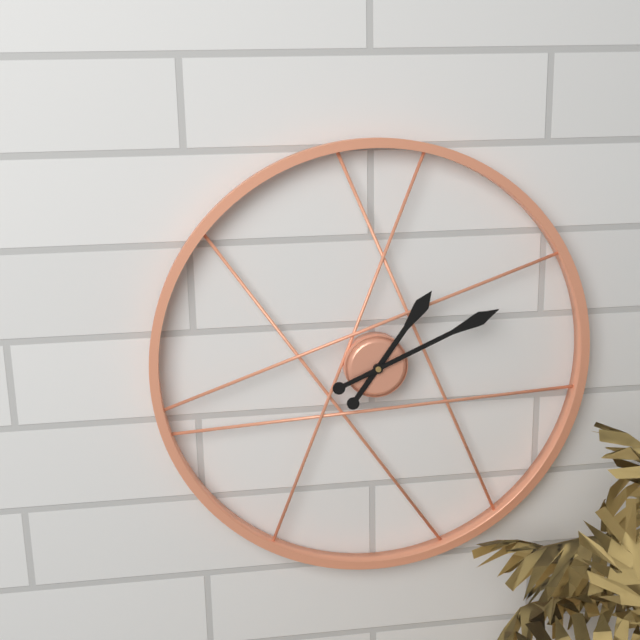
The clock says 1,11
